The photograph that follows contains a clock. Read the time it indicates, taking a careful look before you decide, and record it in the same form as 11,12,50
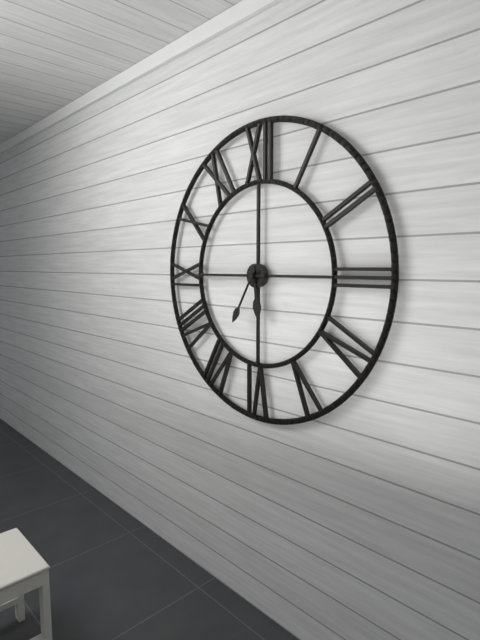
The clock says 5,45,35
